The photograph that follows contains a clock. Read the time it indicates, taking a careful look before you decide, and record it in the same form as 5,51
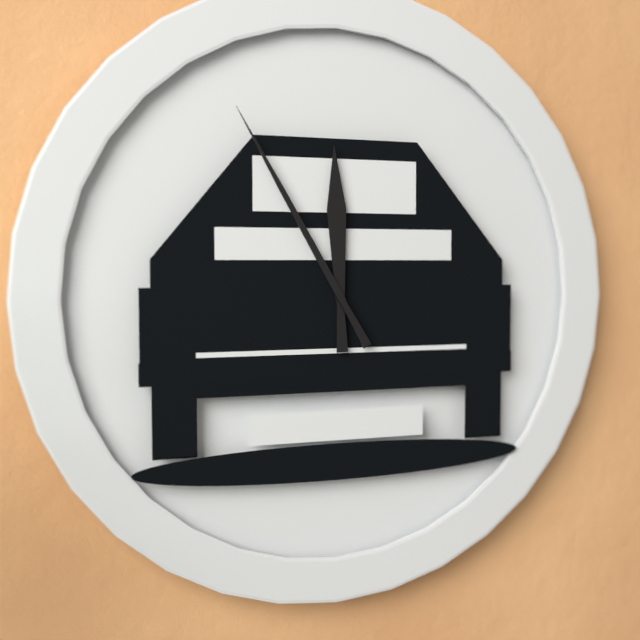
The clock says 11,55
